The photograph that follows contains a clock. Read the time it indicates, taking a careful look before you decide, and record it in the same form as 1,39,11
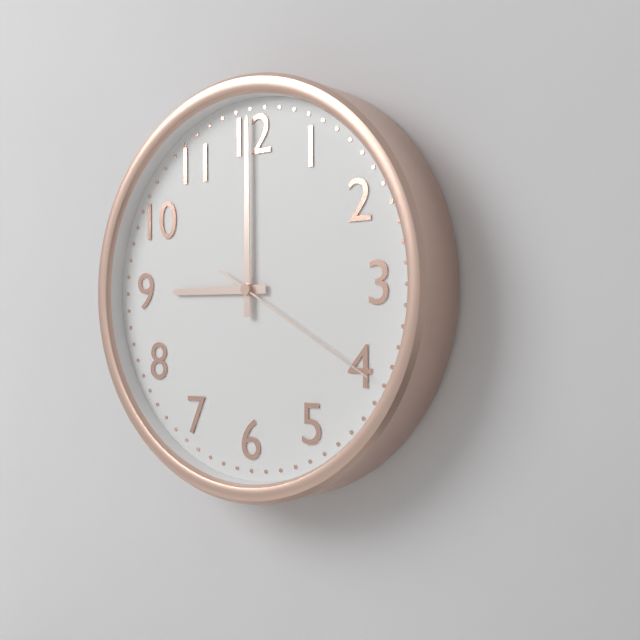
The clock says 9,00,20
